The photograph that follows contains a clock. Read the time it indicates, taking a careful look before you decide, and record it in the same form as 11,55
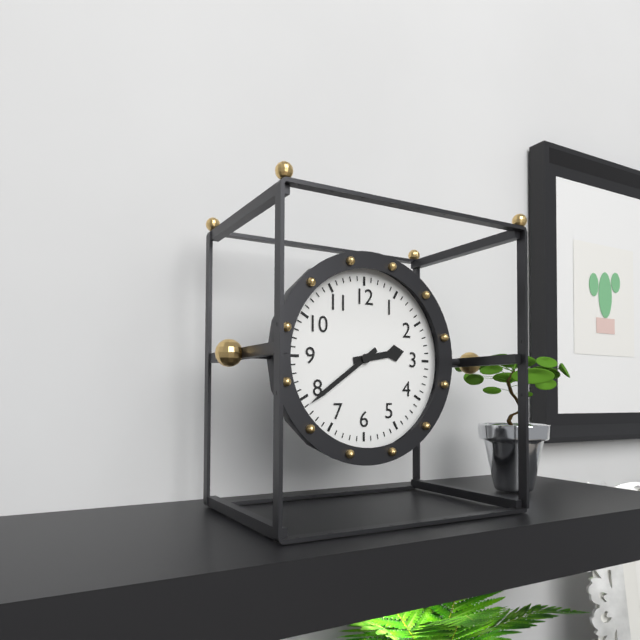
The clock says 2,39
